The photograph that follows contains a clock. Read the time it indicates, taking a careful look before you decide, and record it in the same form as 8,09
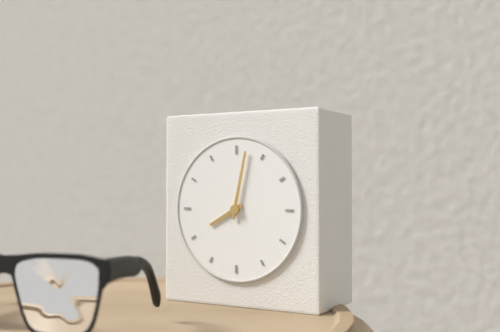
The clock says 8,02
